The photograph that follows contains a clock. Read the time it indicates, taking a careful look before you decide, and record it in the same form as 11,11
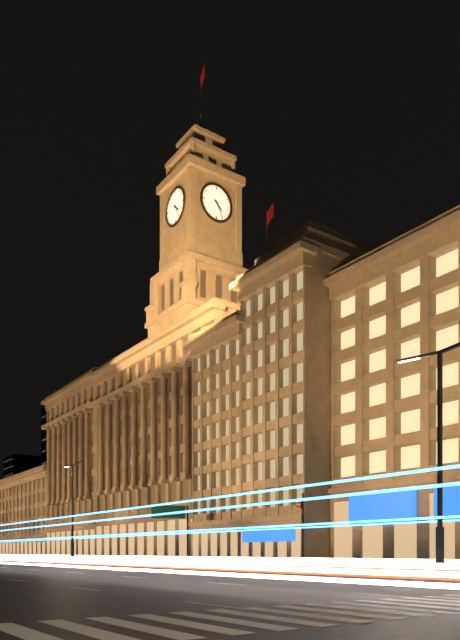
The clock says 4,25
